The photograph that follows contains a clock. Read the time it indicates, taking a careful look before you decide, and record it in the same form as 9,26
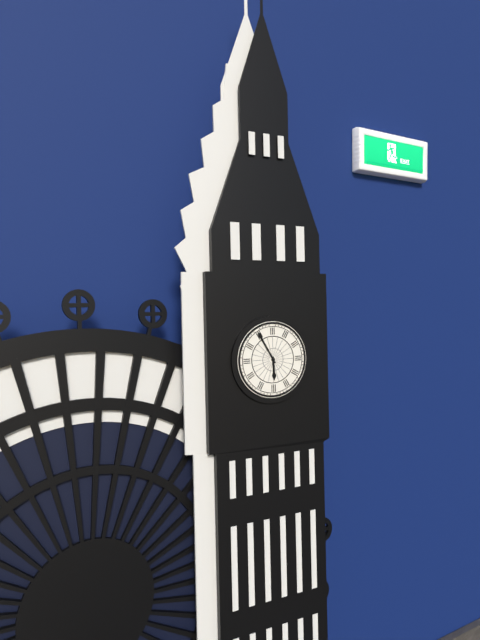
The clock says 5,55
